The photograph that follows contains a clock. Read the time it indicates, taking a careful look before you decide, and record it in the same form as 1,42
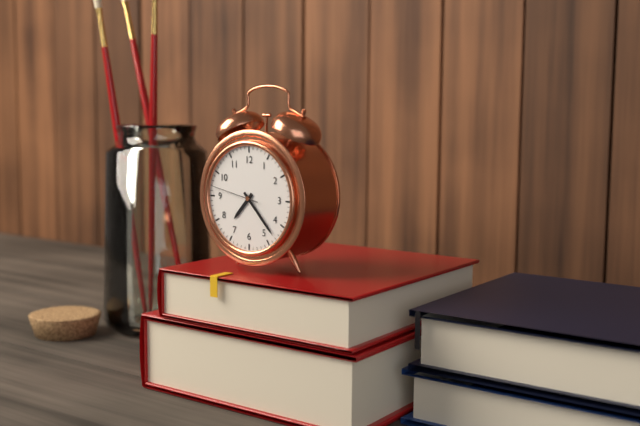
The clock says 7,23
